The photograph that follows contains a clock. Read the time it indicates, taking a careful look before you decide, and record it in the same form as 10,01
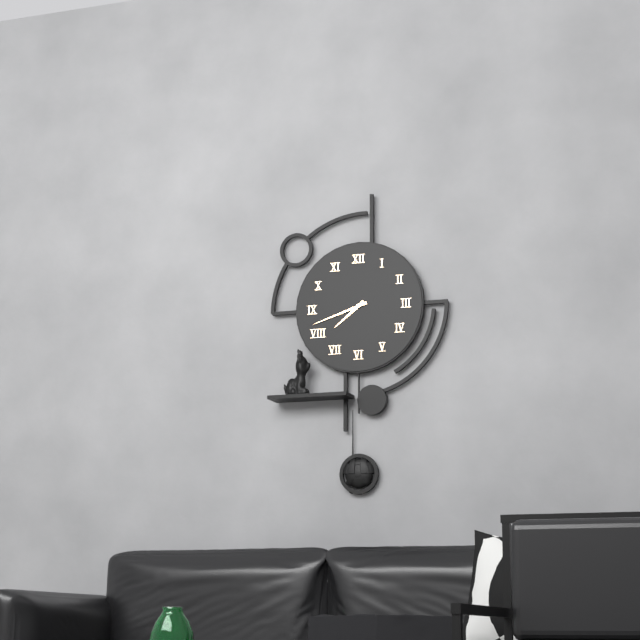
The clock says 7,42
